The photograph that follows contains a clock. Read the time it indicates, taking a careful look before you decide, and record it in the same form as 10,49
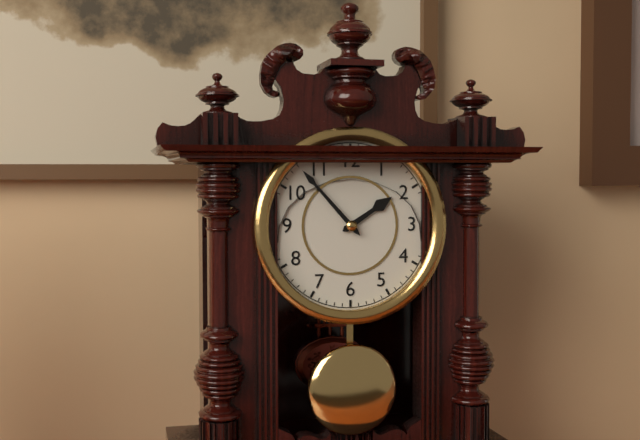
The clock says 1,53
